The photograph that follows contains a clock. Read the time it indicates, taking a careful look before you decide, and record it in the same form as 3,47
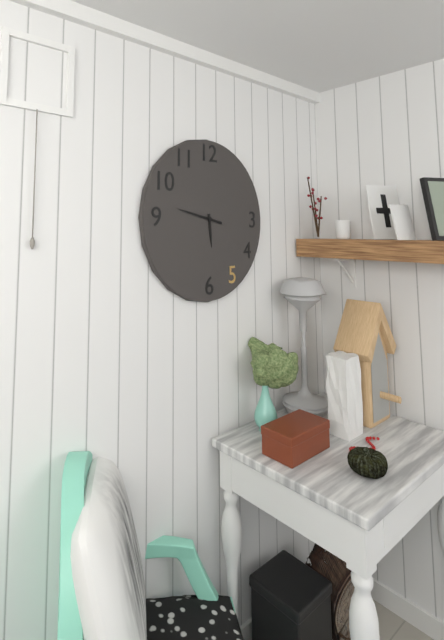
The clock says 5,47
